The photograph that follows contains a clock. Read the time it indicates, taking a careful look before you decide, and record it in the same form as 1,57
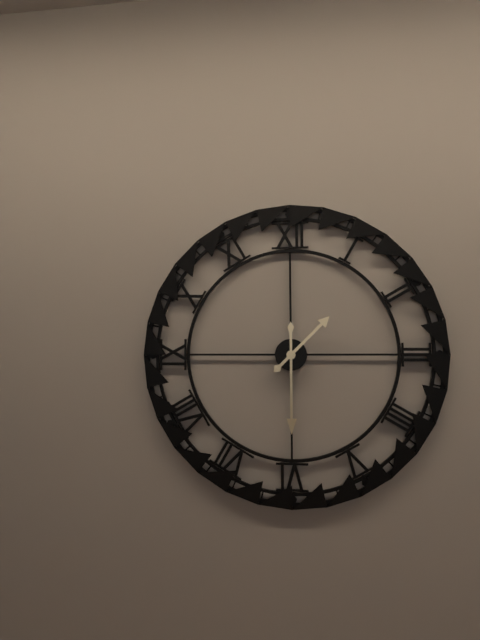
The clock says 1,30
